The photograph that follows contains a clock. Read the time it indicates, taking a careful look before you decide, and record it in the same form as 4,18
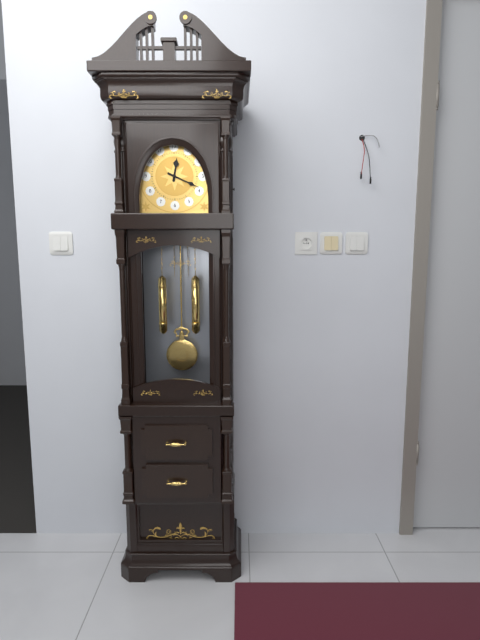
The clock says 12,19
